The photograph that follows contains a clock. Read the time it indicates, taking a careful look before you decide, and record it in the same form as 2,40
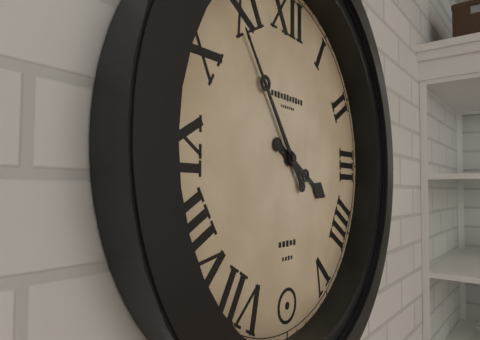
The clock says 3,54
